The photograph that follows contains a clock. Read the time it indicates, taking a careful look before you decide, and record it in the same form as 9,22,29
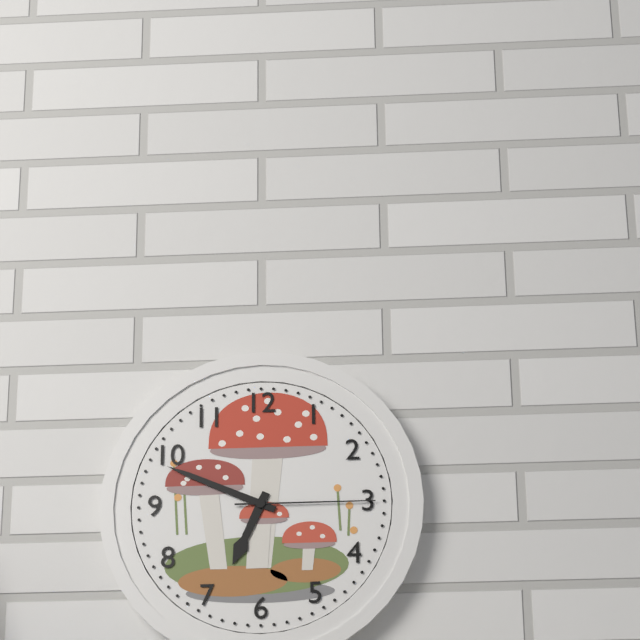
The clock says 6,49,15
